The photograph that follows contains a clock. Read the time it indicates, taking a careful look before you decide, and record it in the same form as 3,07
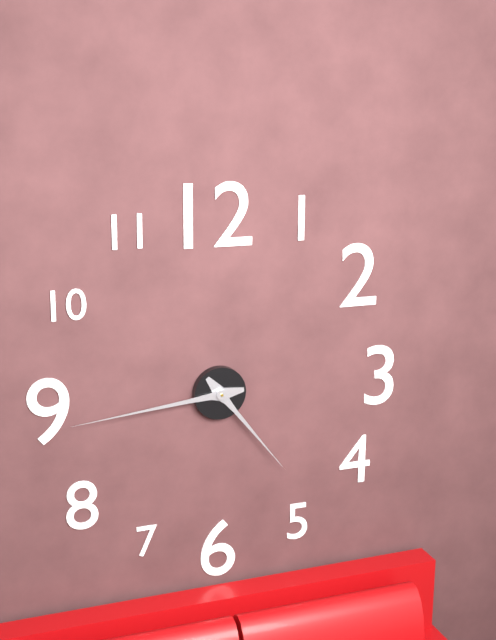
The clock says 4,44
